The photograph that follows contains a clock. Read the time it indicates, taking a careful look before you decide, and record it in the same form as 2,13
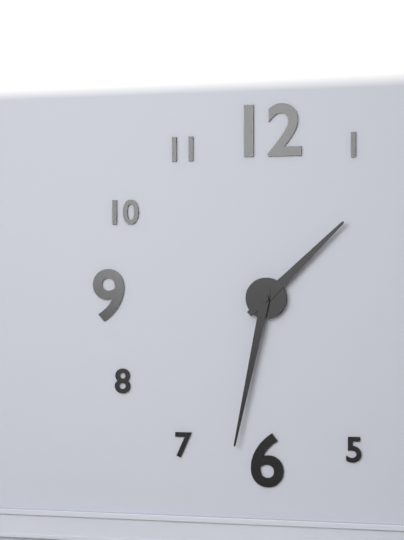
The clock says 1,32
